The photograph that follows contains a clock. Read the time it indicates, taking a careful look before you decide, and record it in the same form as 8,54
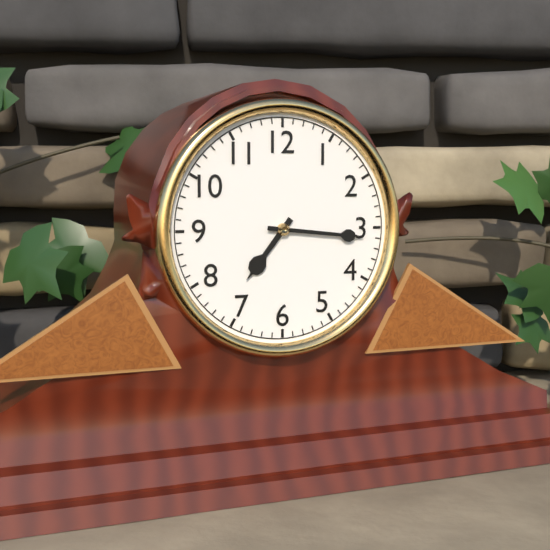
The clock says 7,16
